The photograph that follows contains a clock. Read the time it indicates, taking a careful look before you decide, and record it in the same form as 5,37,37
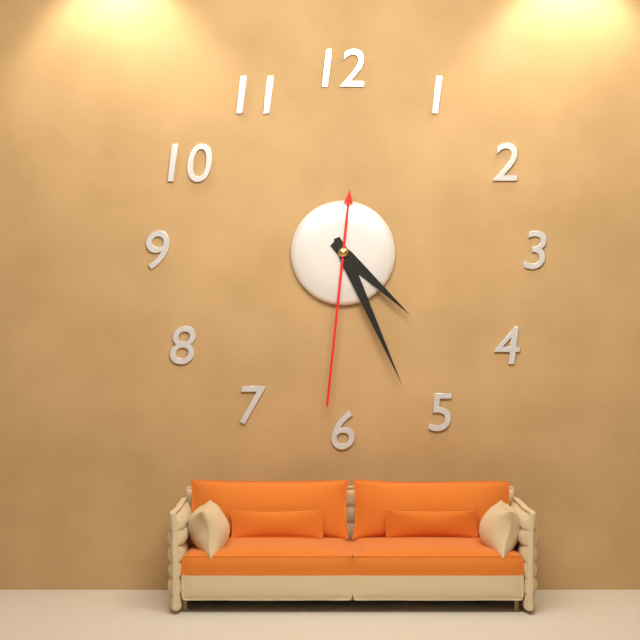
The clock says 4,26,31
